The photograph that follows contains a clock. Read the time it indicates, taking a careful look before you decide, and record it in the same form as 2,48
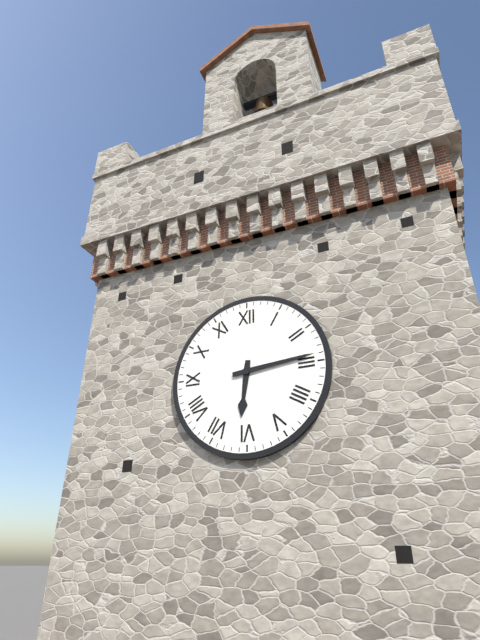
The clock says 6,14
